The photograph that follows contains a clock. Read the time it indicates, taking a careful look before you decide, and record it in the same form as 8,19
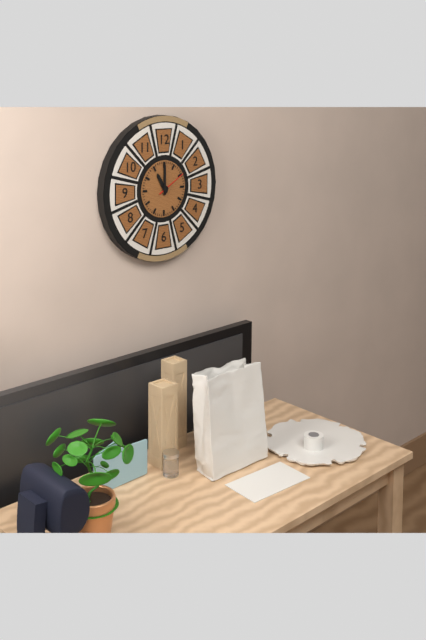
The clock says 11,00
